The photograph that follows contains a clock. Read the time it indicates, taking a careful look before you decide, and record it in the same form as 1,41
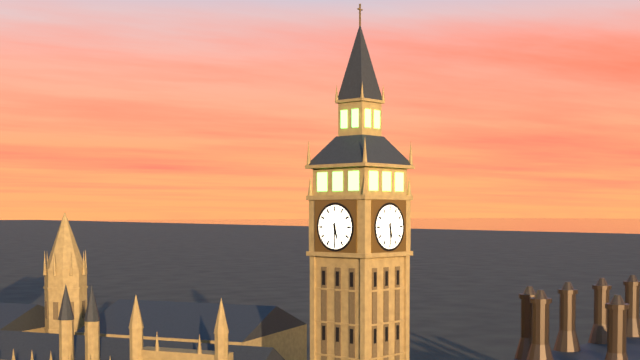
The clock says 5,30
